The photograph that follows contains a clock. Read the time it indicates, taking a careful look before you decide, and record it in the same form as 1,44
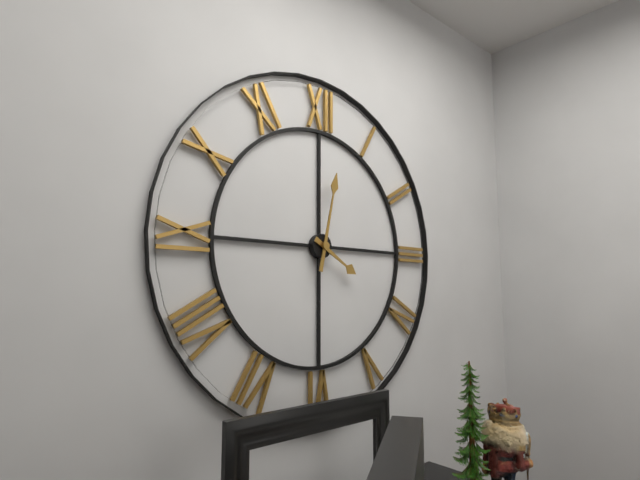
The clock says 4,02
